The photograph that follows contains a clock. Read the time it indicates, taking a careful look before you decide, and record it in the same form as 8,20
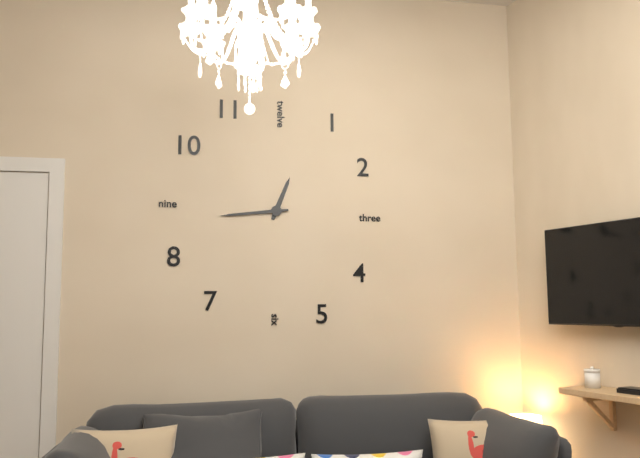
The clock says 12,44
